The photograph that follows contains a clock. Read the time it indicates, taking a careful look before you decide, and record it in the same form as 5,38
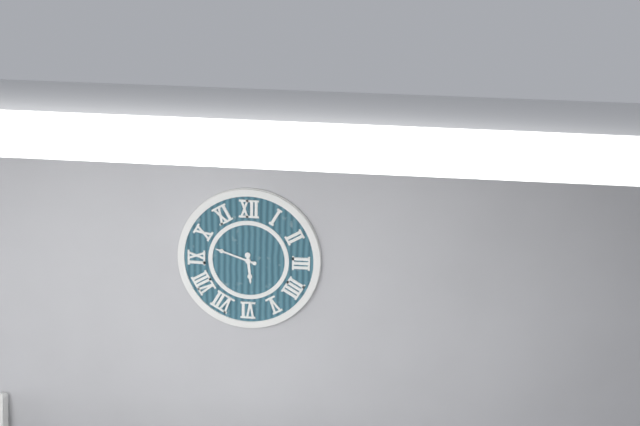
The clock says 5,48
